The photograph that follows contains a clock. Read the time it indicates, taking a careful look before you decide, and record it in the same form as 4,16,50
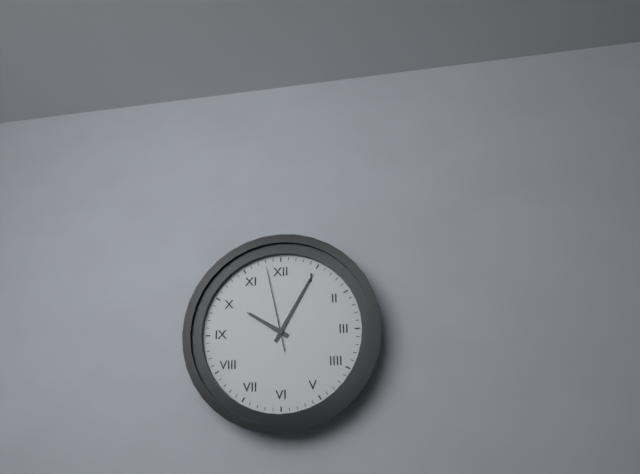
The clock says 10,05,58
